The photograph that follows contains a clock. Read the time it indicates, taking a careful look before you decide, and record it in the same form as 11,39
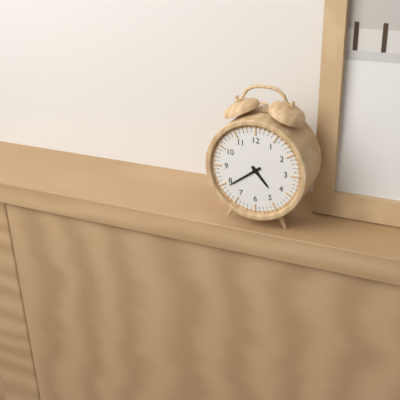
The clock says 4,39
